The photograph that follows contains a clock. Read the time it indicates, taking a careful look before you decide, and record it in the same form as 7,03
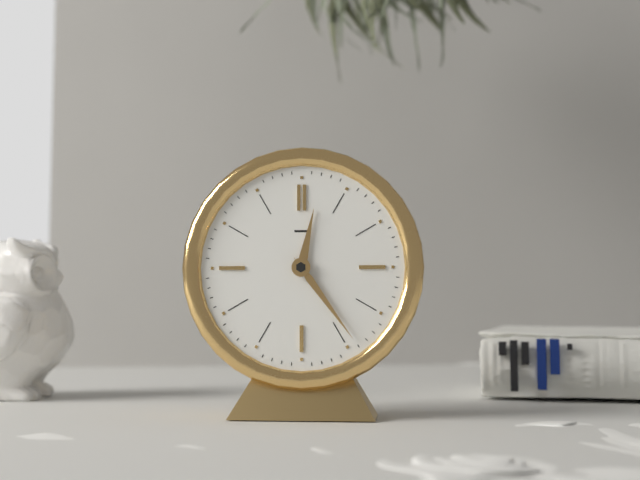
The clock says 12,24
